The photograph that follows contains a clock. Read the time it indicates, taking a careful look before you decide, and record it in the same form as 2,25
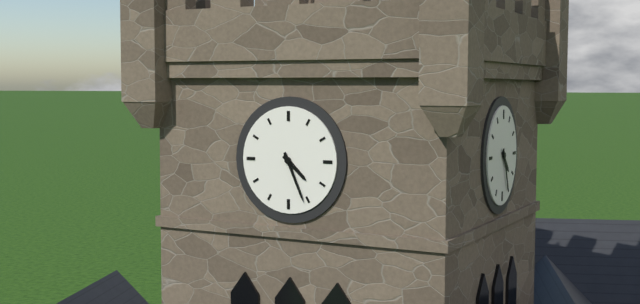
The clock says 4,26
